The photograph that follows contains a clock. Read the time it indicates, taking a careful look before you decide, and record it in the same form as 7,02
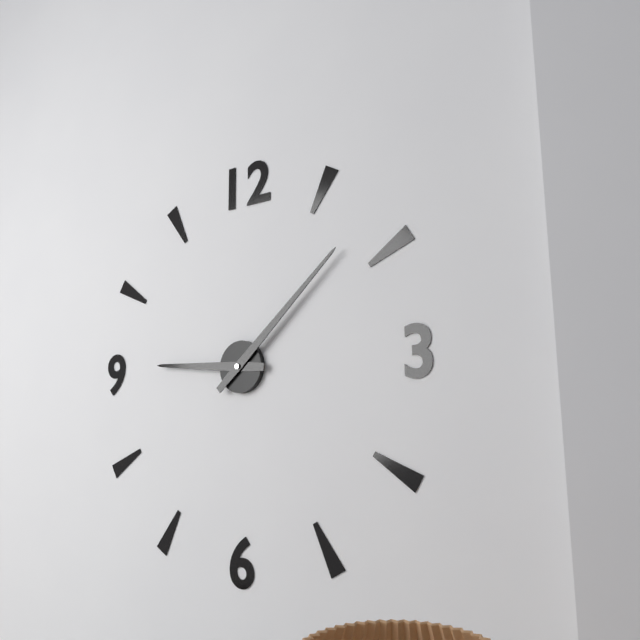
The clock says 9,08
